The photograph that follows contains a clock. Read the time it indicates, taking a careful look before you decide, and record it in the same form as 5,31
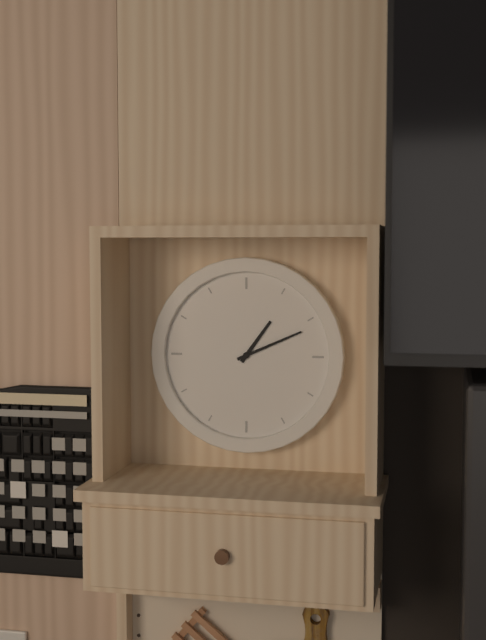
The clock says 1,11
